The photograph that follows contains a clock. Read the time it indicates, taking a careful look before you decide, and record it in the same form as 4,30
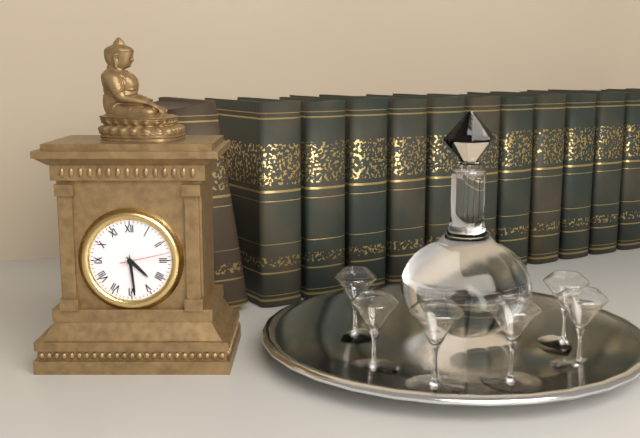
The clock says 4,29
